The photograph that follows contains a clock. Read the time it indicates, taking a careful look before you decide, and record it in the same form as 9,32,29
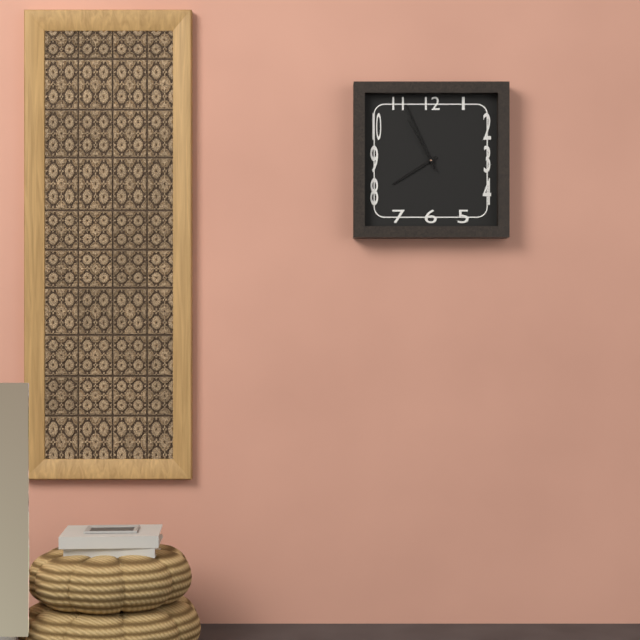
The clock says 7,56,55
